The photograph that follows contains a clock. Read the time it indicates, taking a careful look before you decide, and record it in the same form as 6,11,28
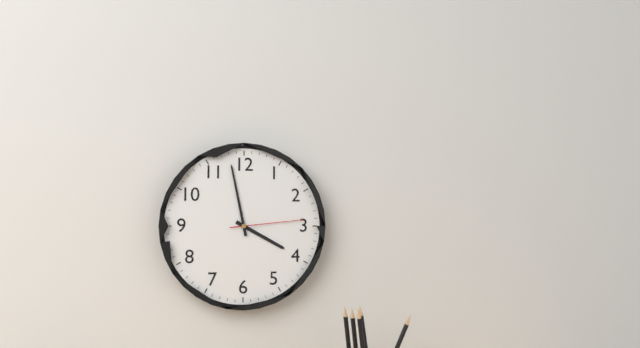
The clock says 3,58,14
